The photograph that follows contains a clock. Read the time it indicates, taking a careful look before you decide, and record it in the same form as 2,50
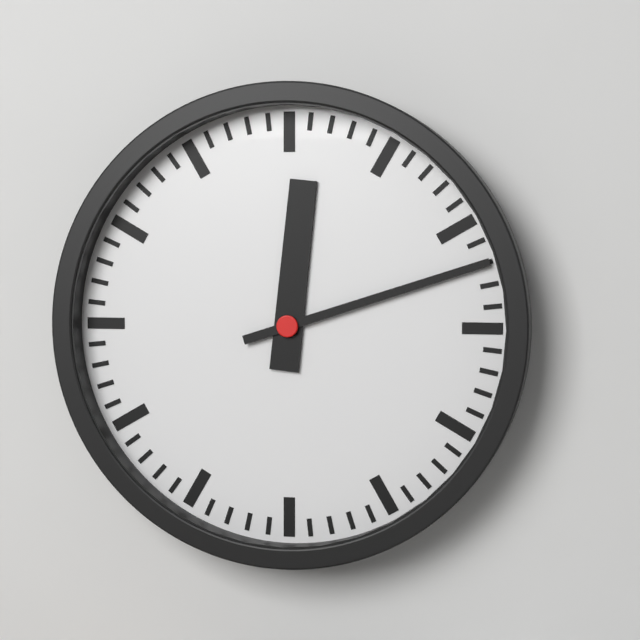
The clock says 12,12
